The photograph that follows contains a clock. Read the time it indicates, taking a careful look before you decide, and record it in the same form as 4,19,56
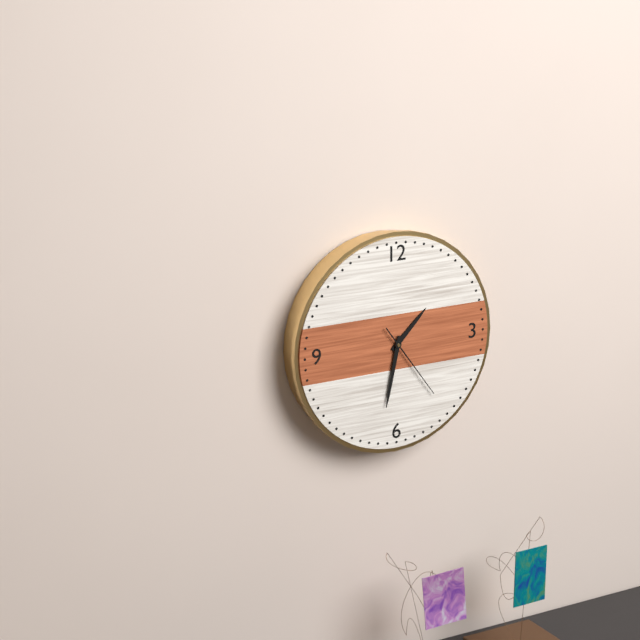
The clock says 1,32,24
